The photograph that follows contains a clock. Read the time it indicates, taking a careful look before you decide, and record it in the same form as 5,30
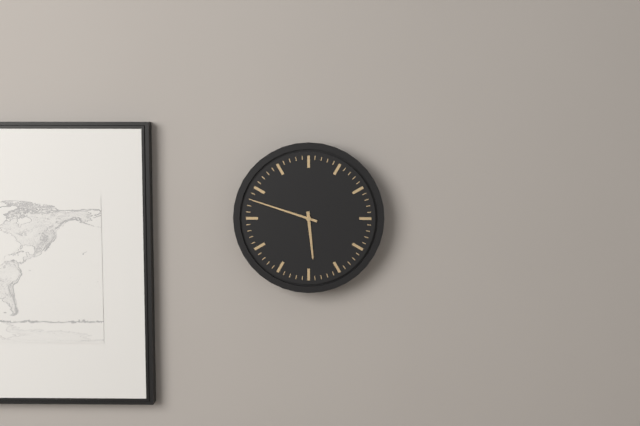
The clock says 5,48
